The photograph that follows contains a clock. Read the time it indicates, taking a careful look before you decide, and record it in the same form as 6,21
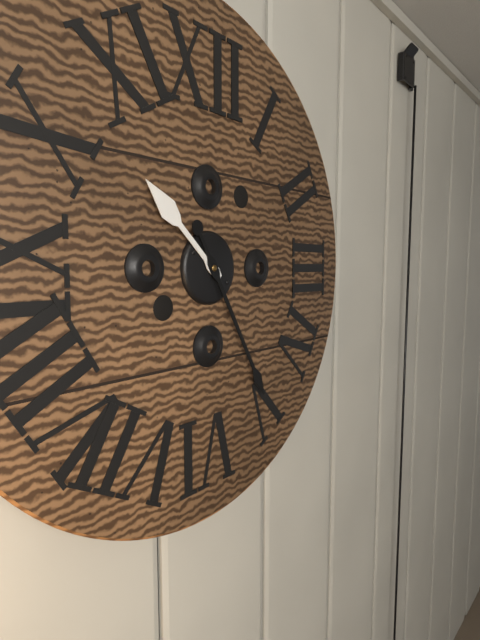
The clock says 10,25
